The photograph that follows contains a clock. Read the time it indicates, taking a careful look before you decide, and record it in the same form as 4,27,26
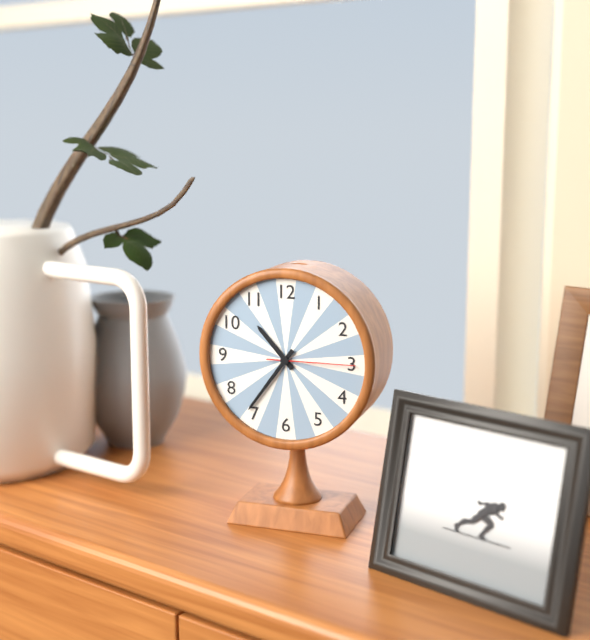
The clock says 10,36,15
